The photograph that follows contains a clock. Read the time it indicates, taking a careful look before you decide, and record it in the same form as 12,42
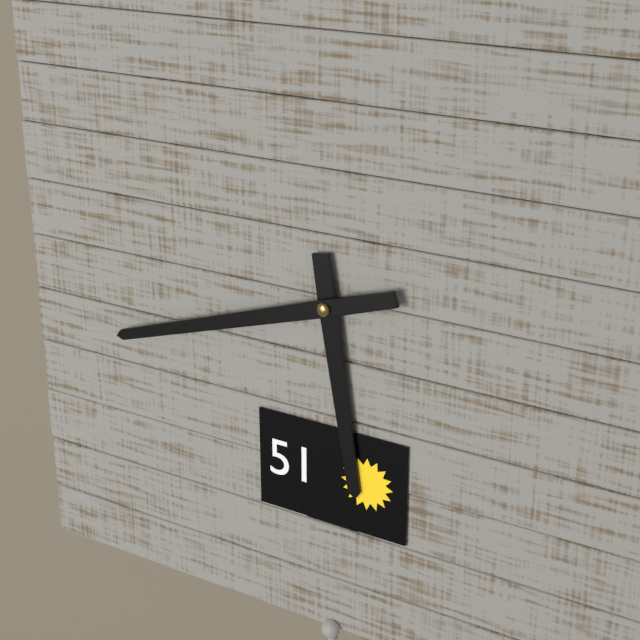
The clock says 5,42
